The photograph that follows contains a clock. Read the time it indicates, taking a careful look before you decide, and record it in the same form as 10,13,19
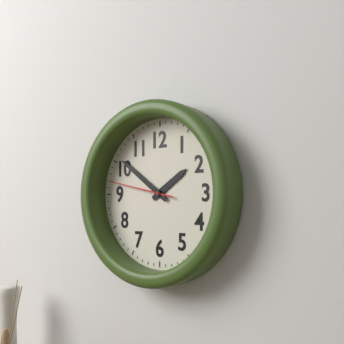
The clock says 1,51,47
